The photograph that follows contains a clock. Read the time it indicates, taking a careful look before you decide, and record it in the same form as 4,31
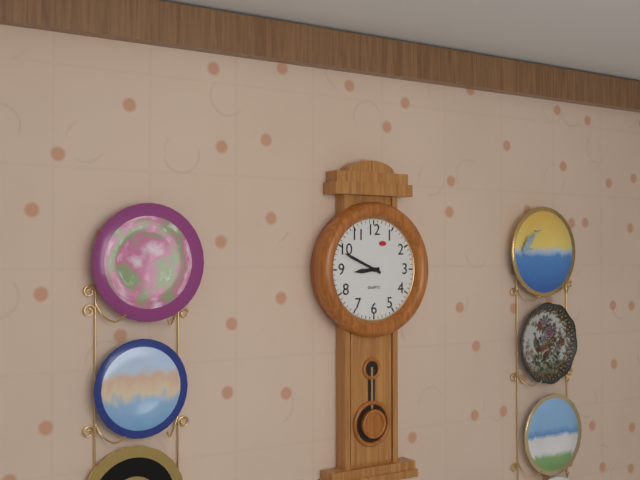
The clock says 8,49
